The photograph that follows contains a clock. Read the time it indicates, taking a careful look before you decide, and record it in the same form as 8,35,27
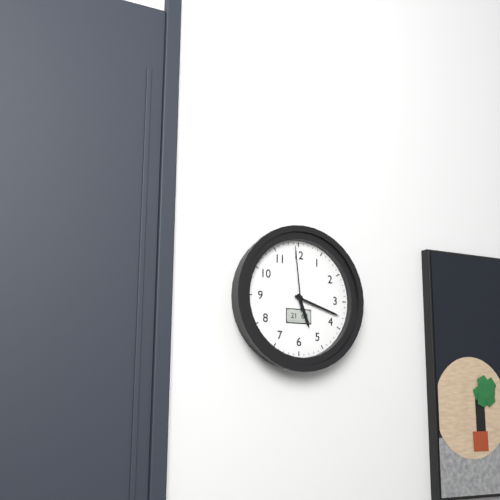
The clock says 5,18,59
